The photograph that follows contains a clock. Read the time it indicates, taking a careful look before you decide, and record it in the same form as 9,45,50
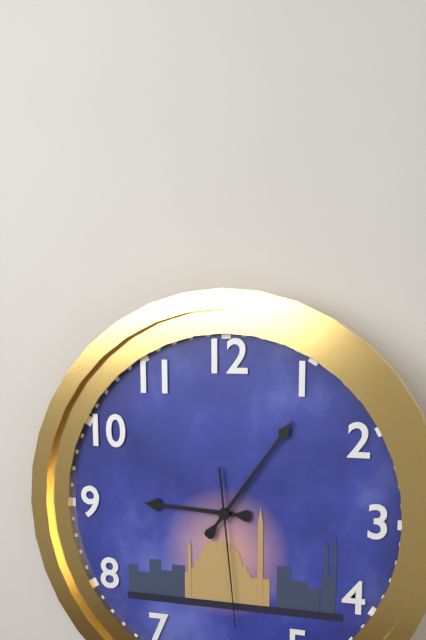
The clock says 9,06,29
